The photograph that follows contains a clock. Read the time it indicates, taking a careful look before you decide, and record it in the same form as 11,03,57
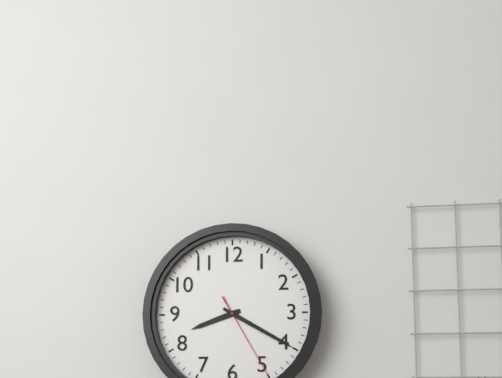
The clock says 8,20,25
